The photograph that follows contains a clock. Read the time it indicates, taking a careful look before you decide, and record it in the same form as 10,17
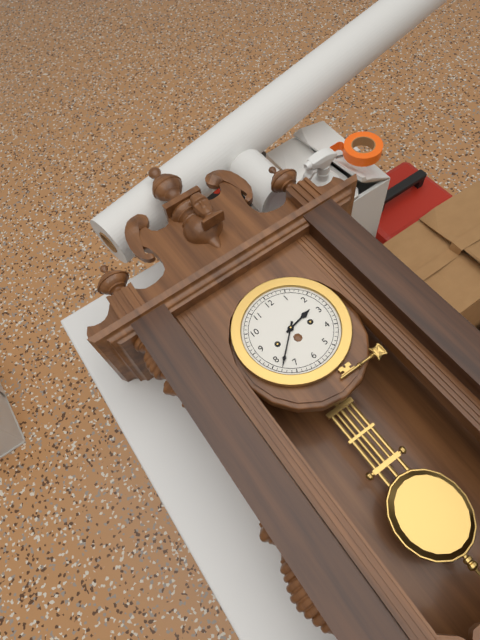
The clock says 2,38
